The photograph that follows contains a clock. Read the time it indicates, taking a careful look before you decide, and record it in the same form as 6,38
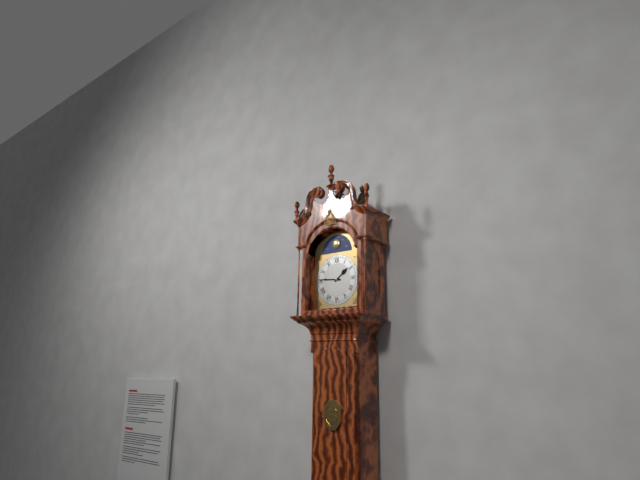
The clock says 1,46
